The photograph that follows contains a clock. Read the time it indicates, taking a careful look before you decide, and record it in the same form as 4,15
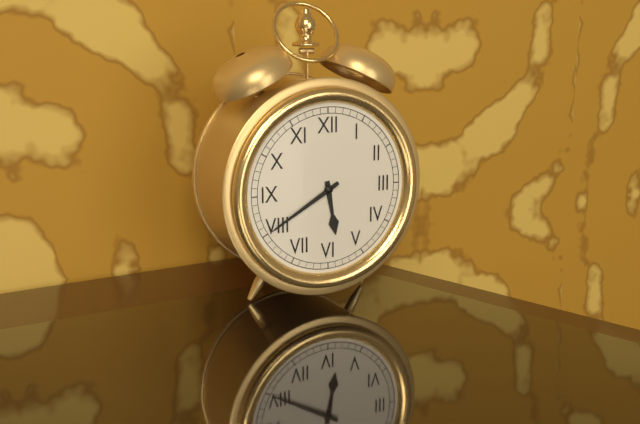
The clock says 5,40
